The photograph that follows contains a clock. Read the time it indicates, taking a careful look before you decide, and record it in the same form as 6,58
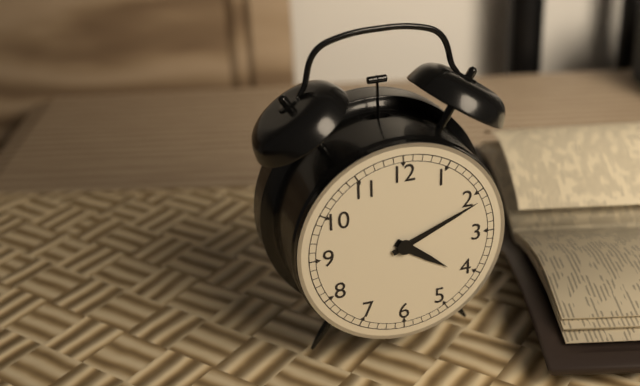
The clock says 4,11
